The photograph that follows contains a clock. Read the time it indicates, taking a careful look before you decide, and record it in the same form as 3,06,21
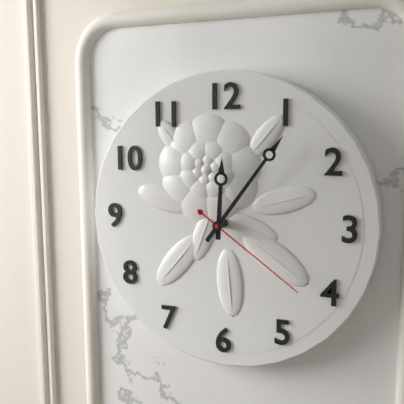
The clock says 12,06,21
